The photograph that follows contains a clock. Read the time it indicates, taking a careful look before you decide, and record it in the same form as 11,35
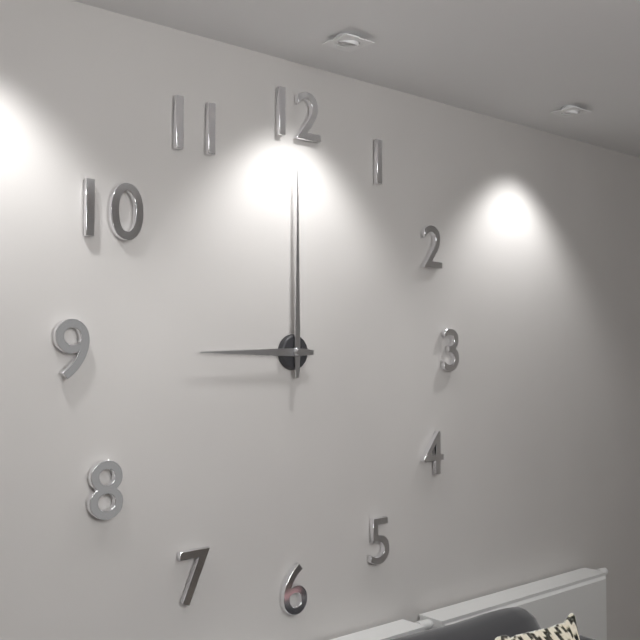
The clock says 9,00
